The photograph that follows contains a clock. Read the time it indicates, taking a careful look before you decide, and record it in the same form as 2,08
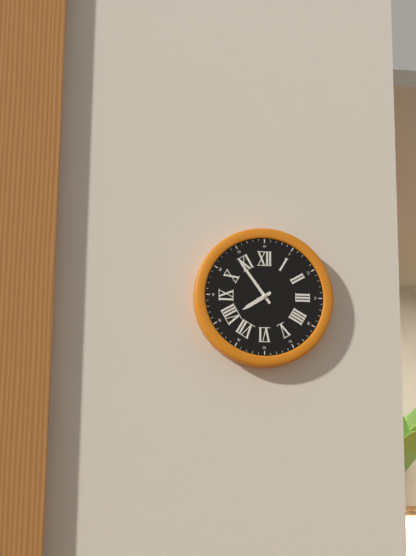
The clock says 7,54
